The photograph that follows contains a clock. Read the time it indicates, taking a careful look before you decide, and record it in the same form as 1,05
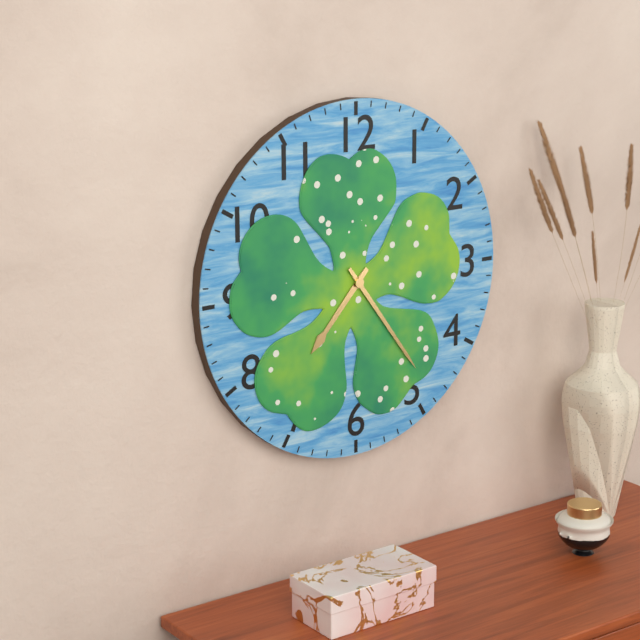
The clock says 7,24
